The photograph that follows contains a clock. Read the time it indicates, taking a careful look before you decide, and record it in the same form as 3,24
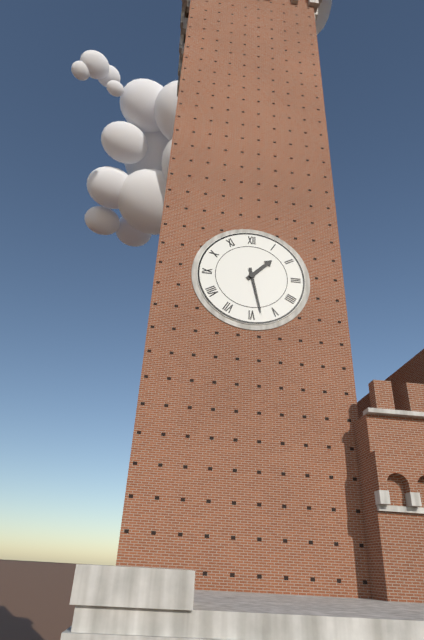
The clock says 1,28
